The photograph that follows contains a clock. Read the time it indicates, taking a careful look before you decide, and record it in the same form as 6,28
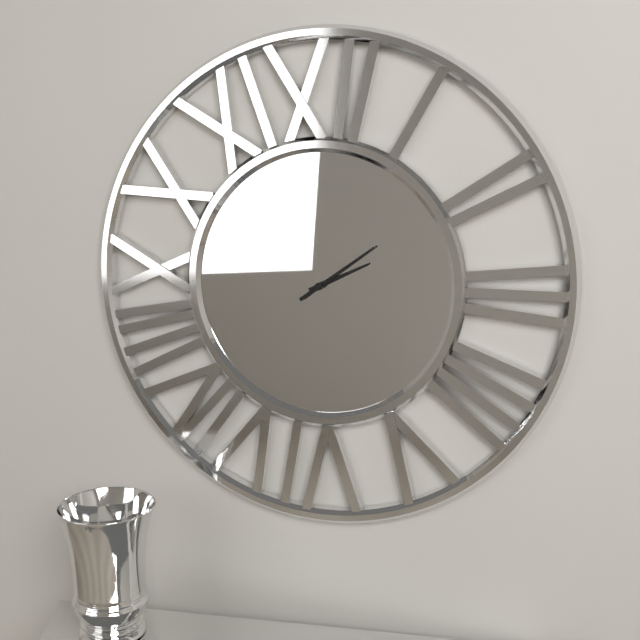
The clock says 2,09
